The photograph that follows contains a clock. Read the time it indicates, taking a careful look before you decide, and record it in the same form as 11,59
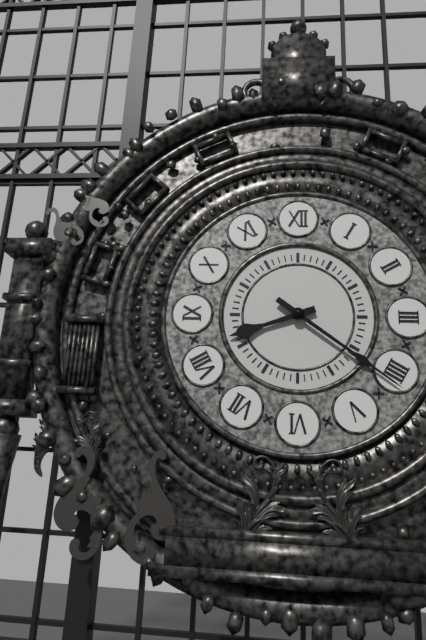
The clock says 8,21
